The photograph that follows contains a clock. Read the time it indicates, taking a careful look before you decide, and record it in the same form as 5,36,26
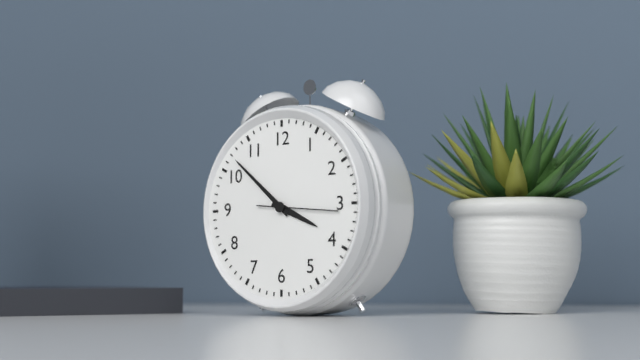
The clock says 3,52,16
